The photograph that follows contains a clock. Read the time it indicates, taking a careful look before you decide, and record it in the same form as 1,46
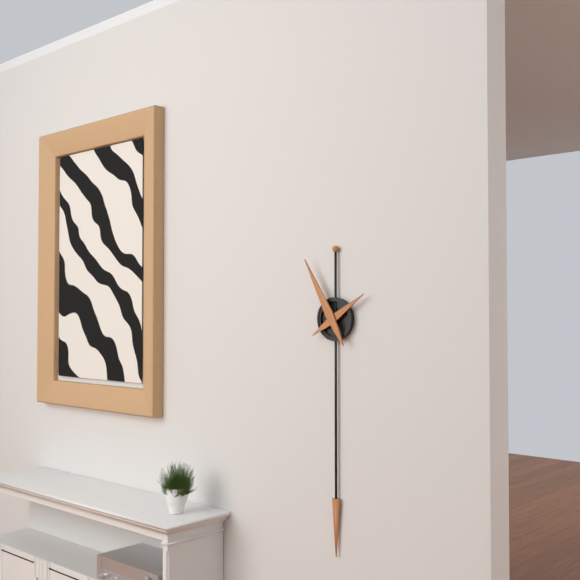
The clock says 1,55
